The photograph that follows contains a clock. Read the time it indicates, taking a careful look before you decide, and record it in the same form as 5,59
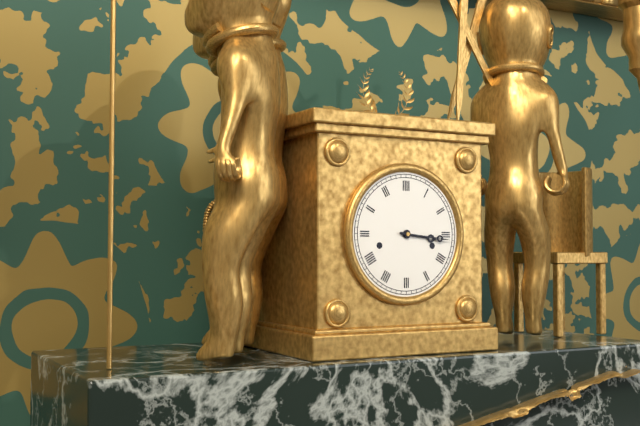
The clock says 3,16
